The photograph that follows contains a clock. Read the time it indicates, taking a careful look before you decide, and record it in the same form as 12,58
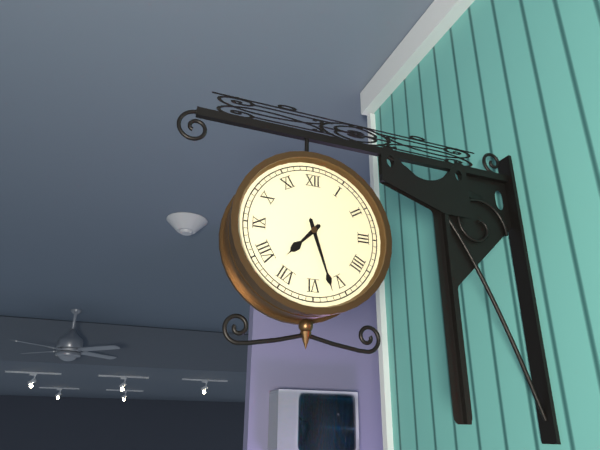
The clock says 7,27
